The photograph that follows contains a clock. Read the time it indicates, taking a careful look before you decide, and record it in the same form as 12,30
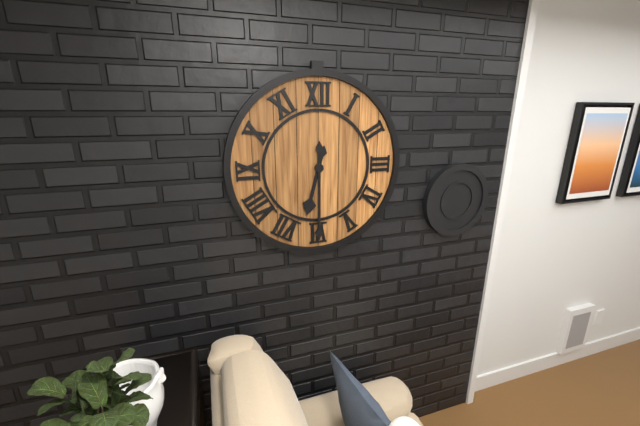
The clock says 6,30
